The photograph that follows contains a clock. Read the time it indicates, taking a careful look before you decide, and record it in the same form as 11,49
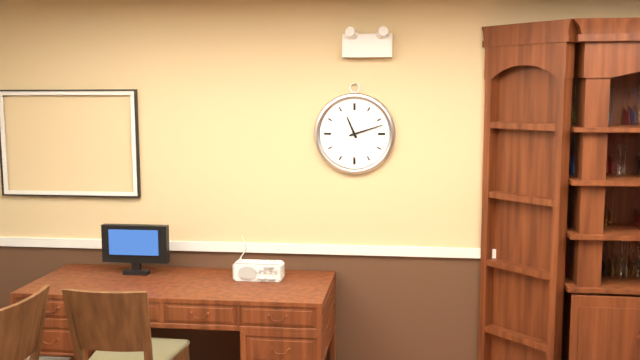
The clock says 11,12
